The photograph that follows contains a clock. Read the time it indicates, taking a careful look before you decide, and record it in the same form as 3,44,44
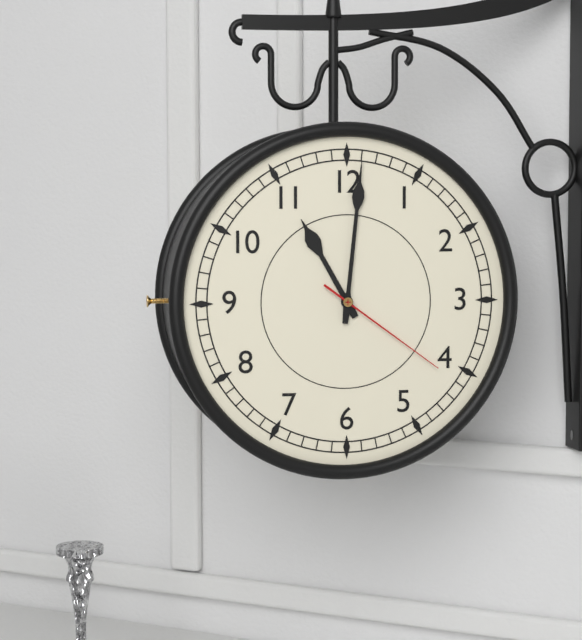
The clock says 11,01,21
